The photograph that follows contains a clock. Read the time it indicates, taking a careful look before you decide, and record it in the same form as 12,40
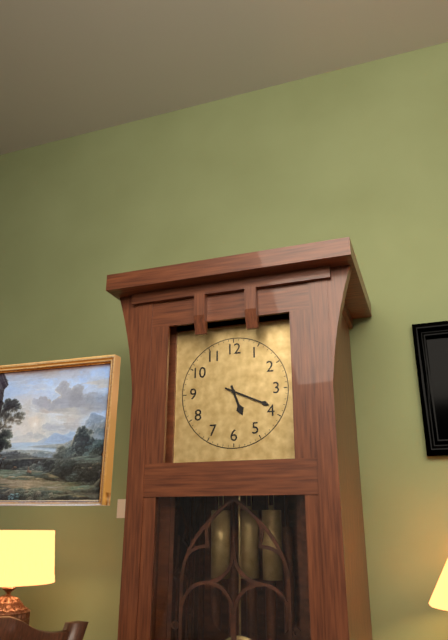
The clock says 5,19
